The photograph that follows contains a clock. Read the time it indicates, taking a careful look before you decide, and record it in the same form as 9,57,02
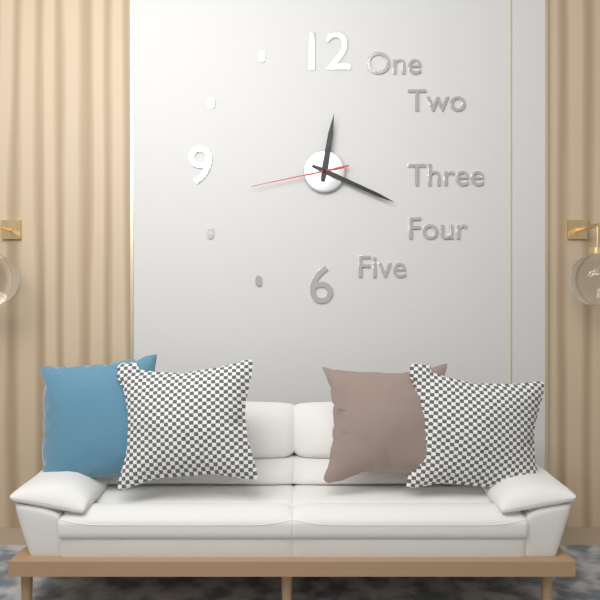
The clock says 12,19,43
